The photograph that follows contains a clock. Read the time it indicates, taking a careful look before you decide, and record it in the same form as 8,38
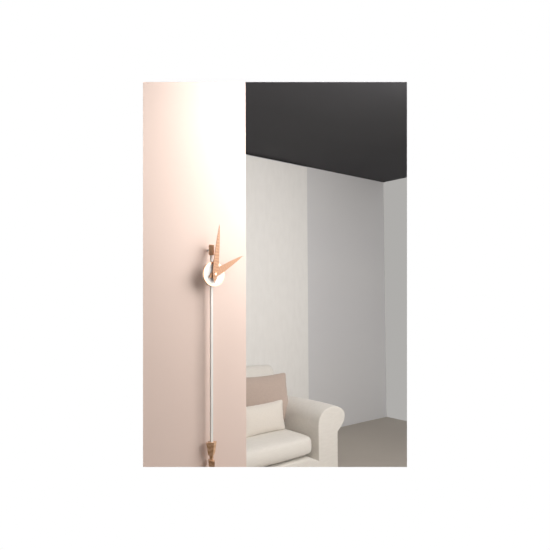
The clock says 2,01
